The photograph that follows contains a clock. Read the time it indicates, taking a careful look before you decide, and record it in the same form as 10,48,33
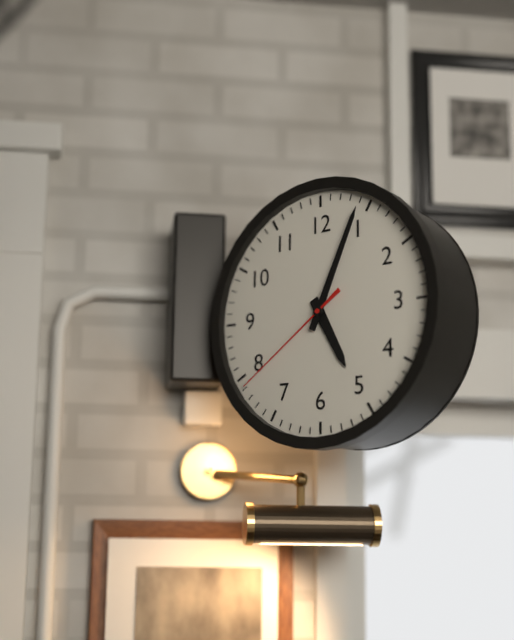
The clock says 5,04,39
